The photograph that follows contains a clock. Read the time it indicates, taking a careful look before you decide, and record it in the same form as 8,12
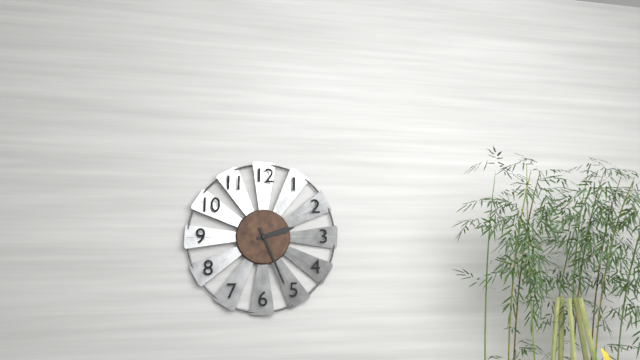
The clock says 2,26
